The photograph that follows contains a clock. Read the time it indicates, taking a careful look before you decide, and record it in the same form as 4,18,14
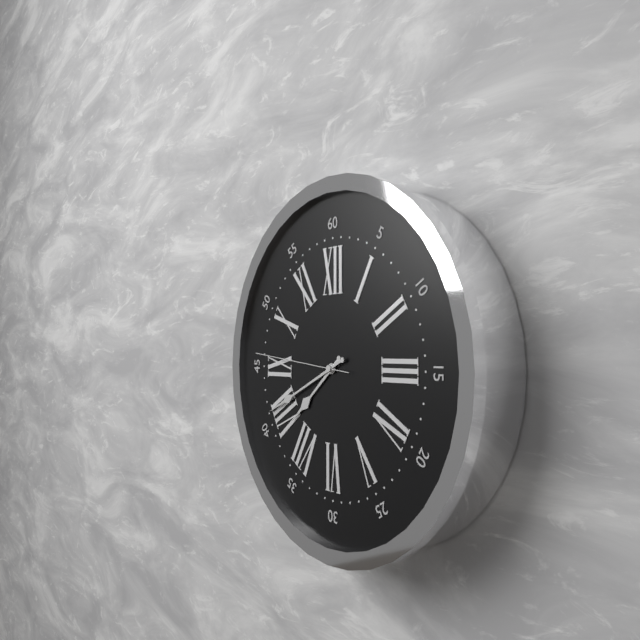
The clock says 7,41,46
